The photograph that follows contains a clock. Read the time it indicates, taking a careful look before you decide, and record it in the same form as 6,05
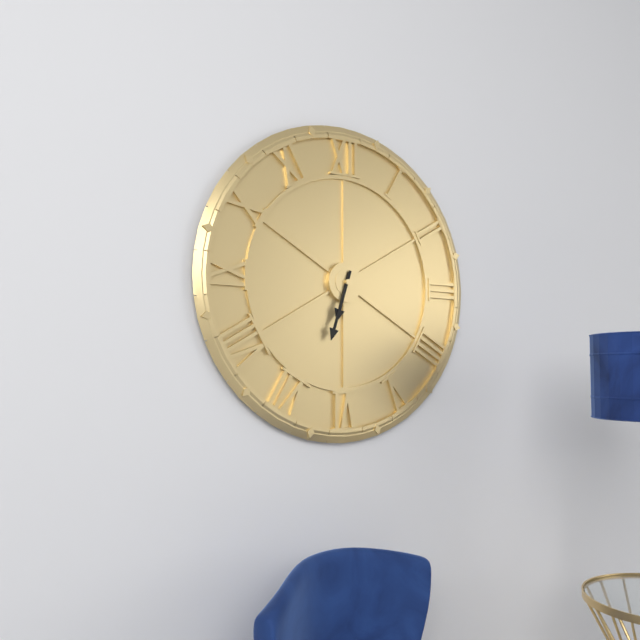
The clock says 6,33
